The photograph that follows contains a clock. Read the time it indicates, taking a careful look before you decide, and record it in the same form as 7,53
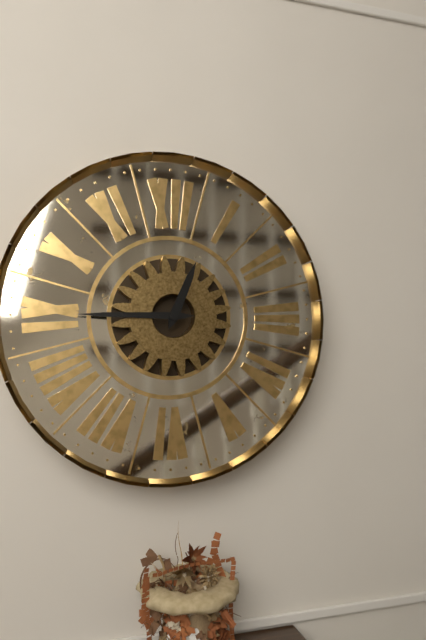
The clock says 12,45
